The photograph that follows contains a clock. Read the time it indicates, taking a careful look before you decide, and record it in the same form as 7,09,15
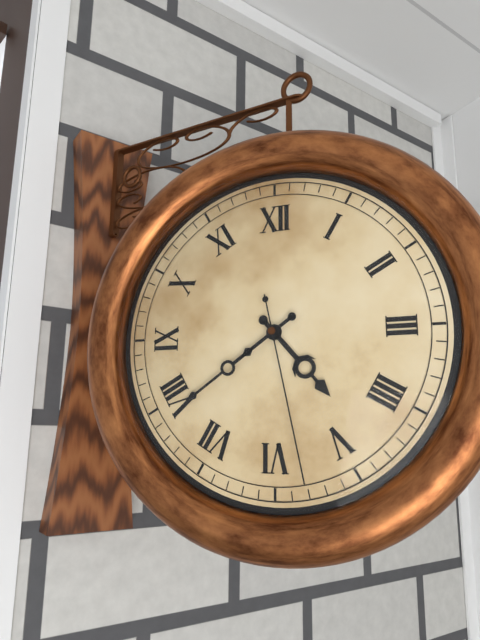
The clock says 4,39,28
